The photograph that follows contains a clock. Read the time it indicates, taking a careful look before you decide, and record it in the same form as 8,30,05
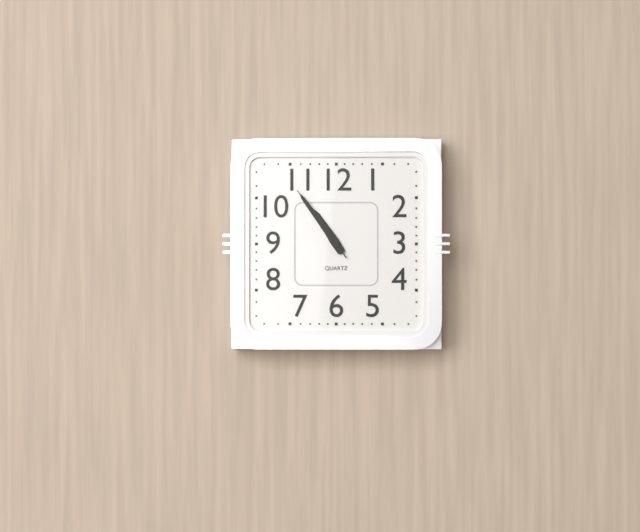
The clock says 10,54,54
